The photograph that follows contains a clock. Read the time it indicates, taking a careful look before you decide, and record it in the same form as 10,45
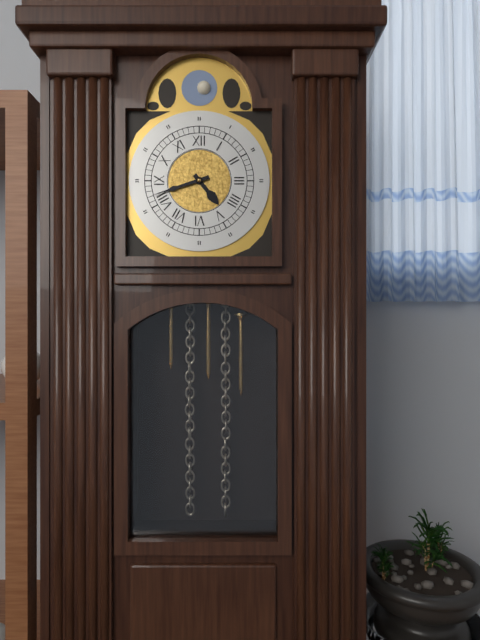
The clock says 4,42
